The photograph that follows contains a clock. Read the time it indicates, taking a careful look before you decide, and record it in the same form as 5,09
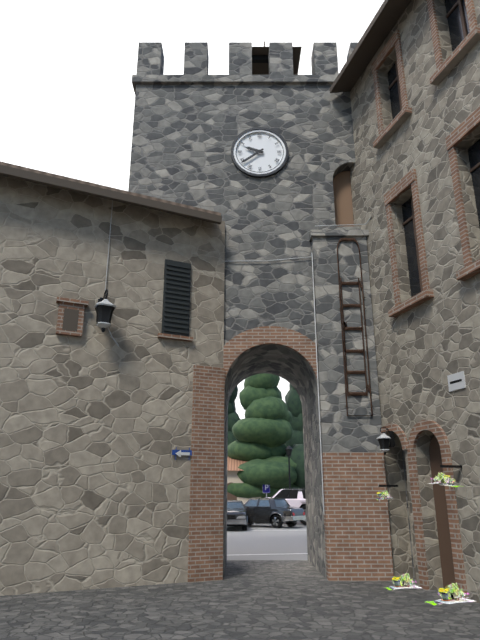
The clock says 9,39
